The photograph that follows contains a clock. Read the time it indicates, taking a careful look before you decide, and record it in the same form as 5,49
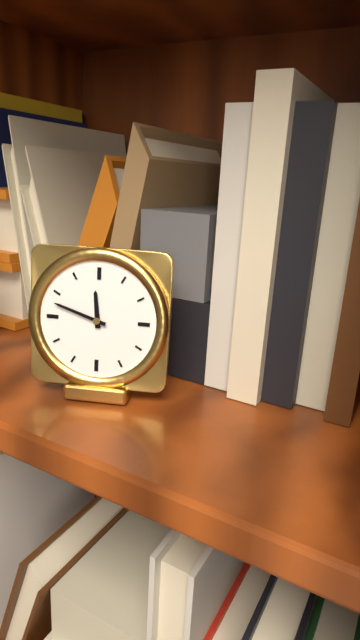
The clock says 11,48
